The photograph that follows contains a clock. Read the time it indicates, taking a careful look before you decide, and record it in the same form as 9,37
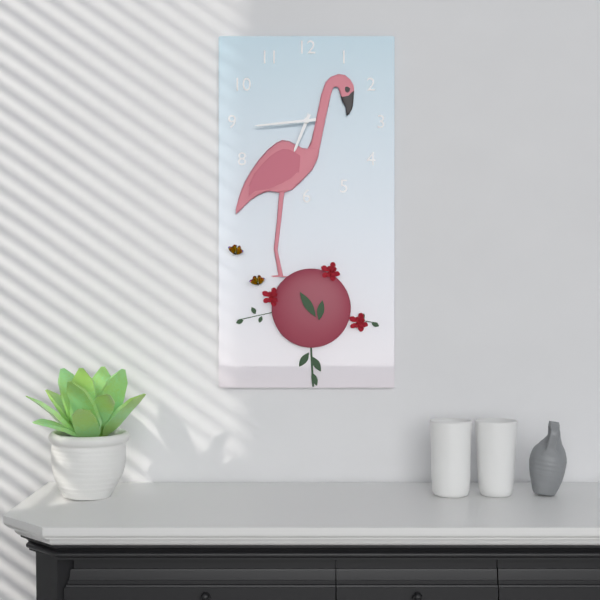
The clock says 6,44
